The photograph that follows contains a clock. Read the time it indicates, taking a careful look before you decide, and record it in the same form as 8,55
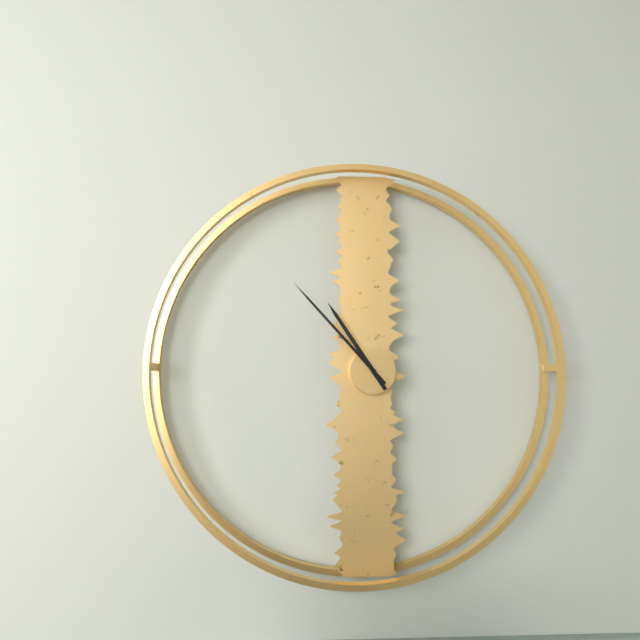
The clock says 10,53
